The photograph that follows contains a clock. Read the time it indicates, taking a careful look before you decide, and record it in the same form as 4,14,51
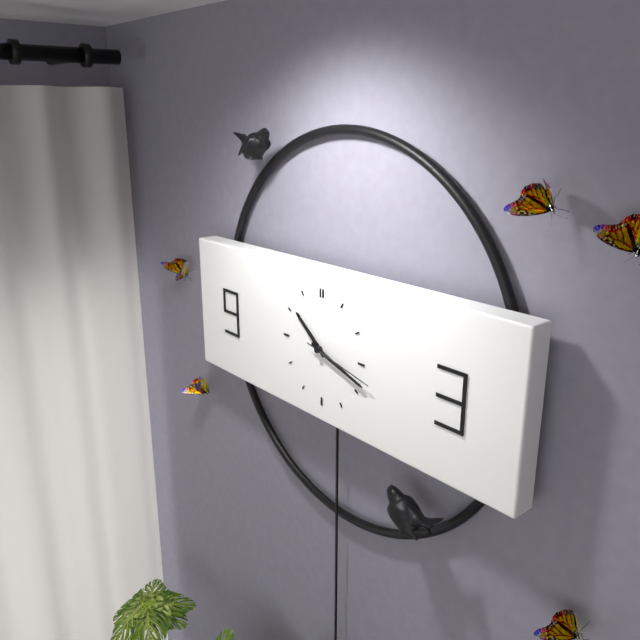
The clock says 10,18,17
